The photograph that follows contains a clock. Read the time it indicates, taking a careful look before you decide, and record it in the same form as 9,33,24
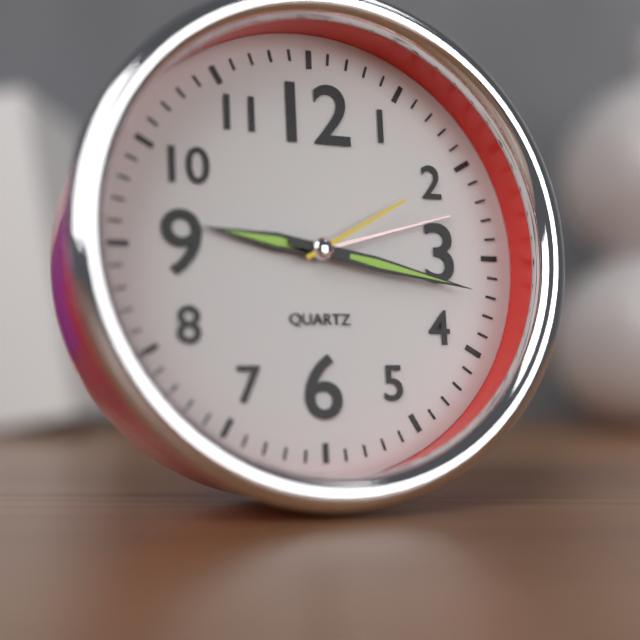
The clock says 9,17,10
